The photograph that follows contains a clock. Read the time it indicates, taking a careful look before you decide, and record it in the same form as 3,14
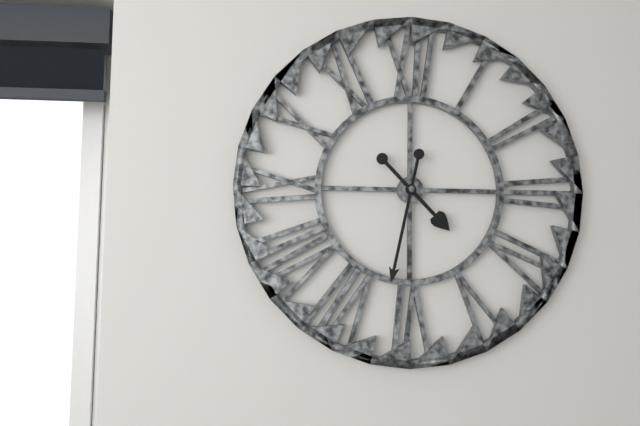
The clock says 4,32
